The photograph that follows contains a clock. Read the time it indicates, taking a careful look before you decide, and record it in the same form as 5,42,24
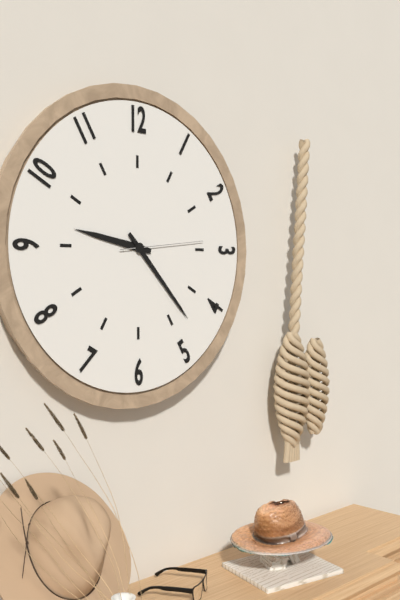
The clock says 9,23,14
